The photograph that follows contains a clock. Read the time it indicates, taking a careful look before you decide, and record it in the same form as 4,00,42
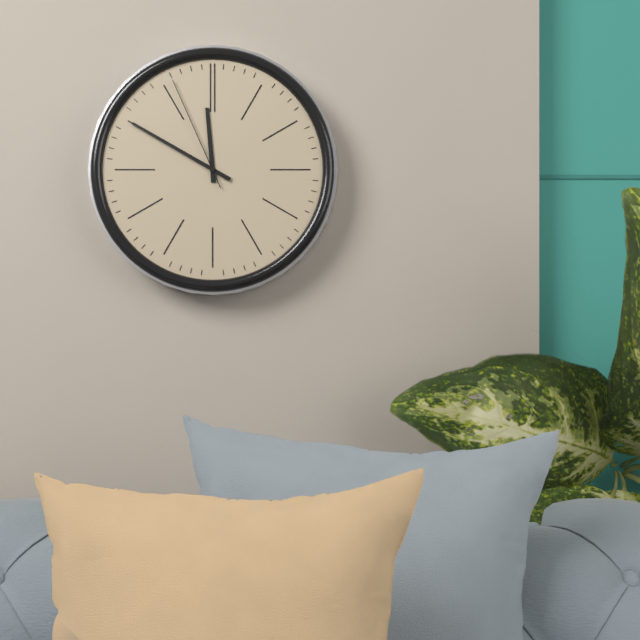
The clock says 11,50,56
